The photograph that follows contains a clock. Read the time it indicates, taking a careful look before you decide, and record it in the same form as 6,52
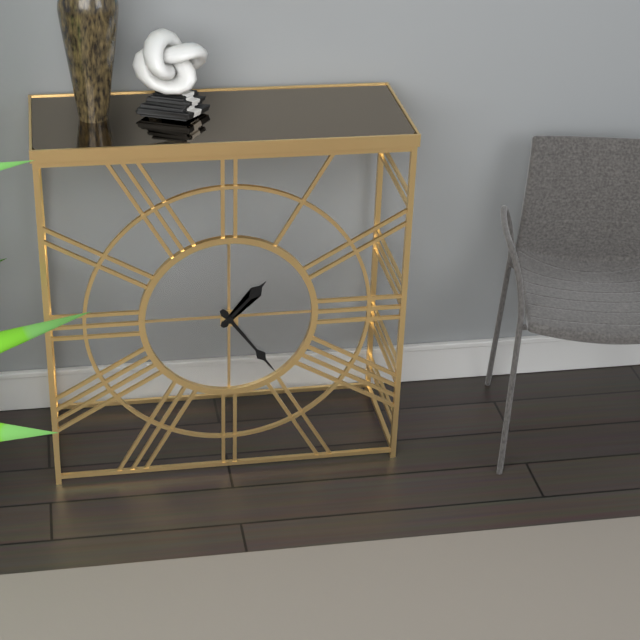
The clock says 1,24
